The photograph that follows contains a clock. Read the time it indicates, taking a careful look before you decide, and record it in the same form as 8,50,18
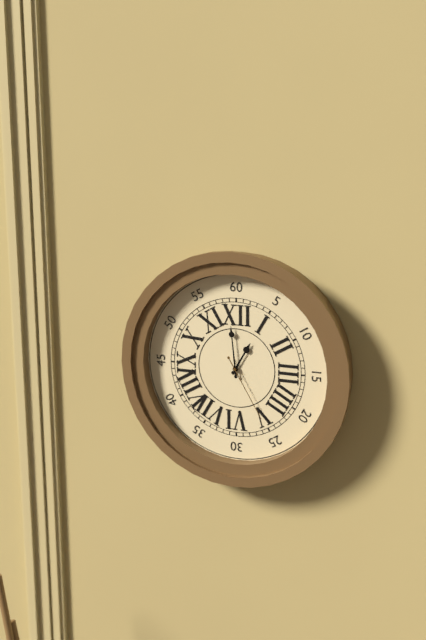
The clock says 12,59,25
